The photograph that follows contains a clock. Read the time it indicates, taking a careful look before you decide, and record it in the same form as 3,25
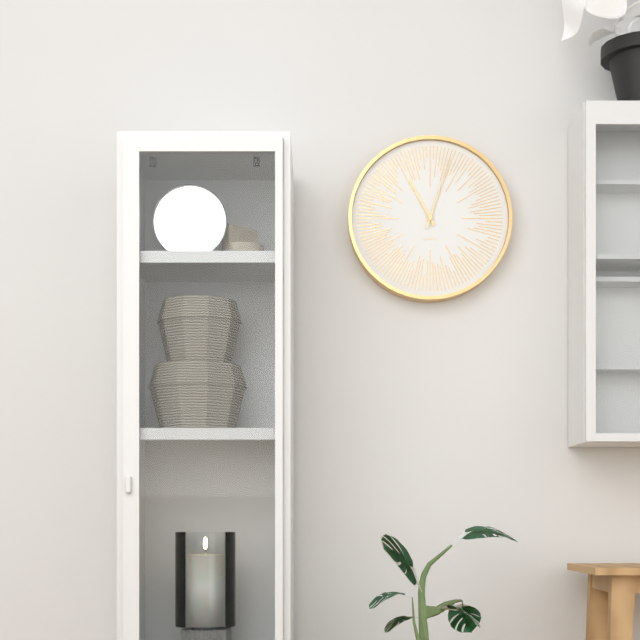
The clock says 11,03
